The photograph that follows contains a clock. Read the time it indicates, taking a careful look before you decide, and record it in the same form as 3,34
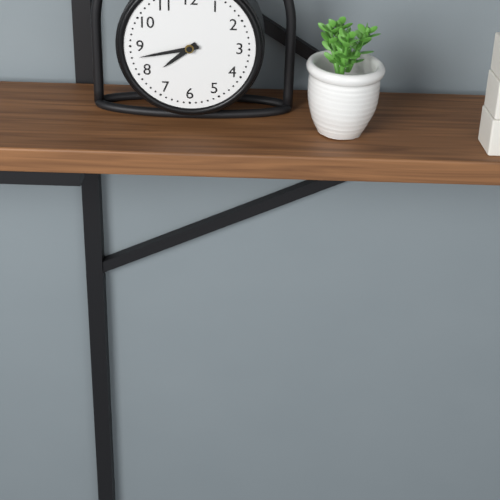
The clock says 7,43
